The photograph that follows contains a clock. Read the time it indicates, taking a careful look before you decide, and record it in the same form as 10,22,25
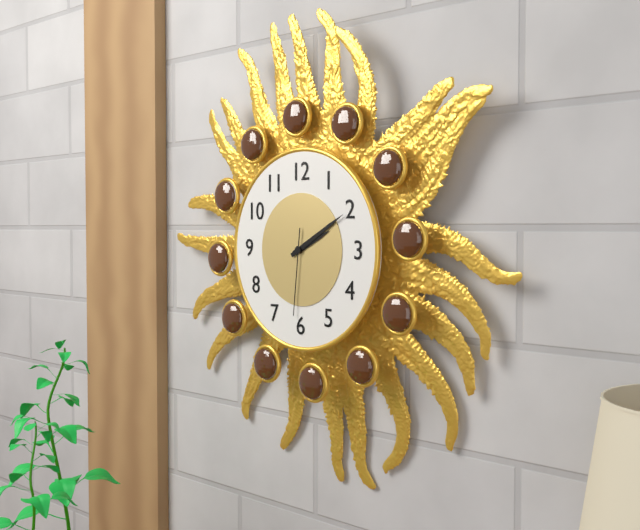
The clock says 2,10,31
